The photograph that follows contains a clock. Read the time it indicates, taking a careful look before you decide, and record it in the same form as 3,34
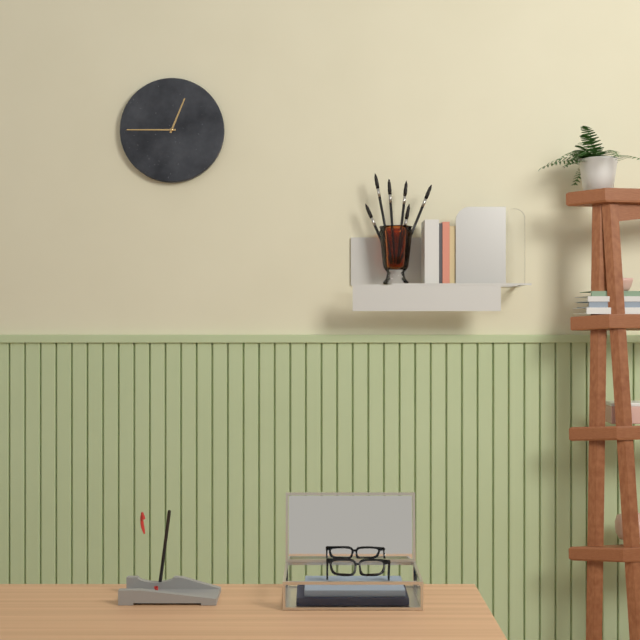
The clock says 12,45
